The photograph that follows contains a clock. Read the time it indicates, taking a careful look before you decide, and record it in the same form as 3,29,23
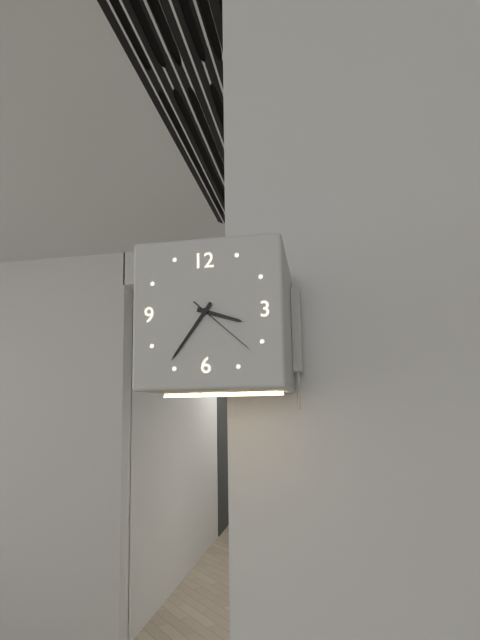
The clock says 3,36,22
